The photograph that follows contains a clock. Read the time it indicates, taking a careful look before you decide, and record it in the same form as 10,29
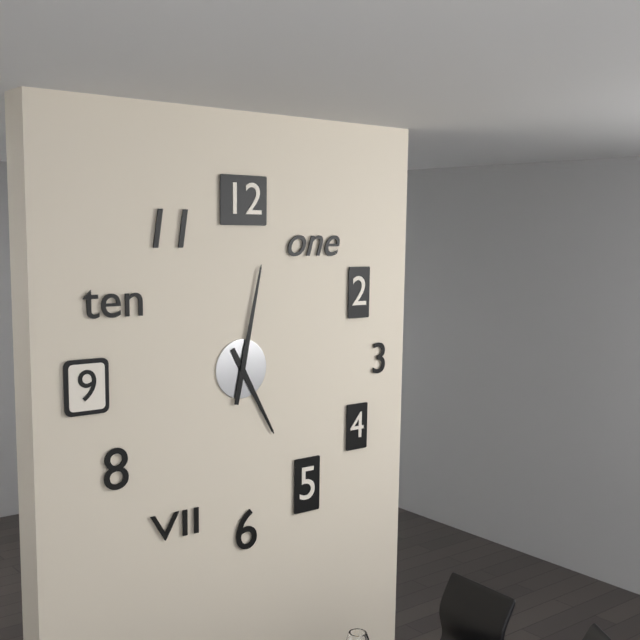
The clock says 5,02
